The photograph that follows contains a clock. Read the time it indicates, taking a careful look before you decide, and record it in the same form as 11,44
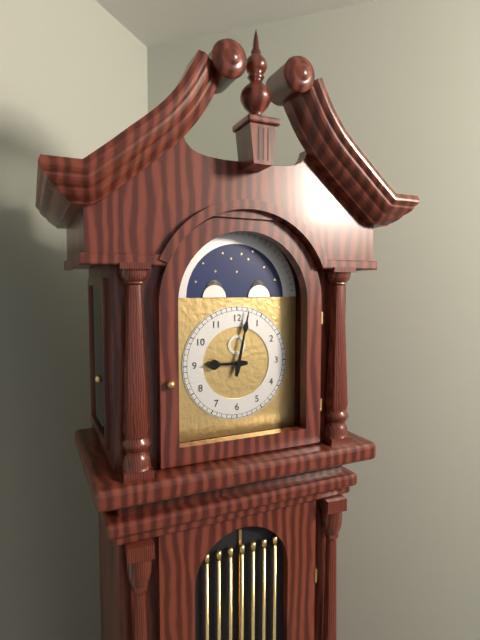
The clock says 9,02
